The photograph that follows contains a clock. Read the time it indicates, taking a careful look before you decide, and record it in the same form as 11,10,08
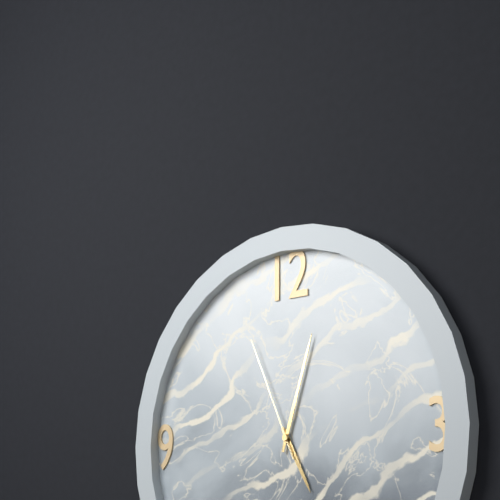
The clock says 5,03,56
